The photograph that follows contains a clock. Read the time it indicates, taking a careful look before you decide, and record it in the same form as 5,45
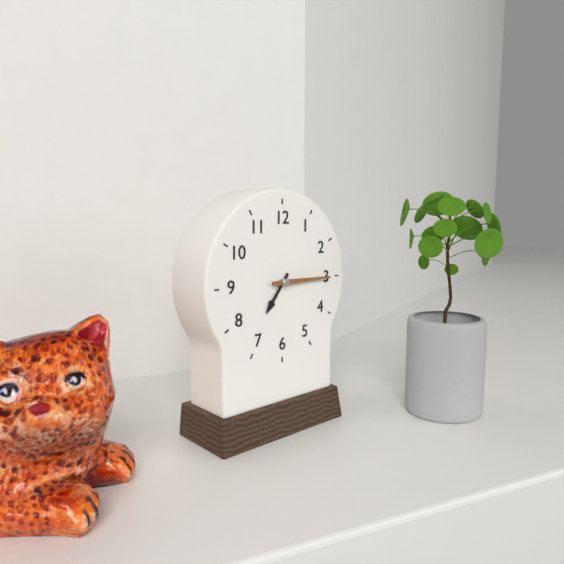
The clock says 7,15
